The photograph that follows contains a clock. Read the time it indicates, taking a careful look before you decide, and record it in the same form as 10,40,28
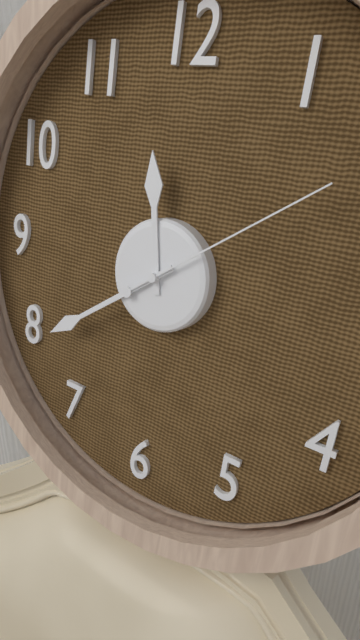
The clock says 11,39,09
